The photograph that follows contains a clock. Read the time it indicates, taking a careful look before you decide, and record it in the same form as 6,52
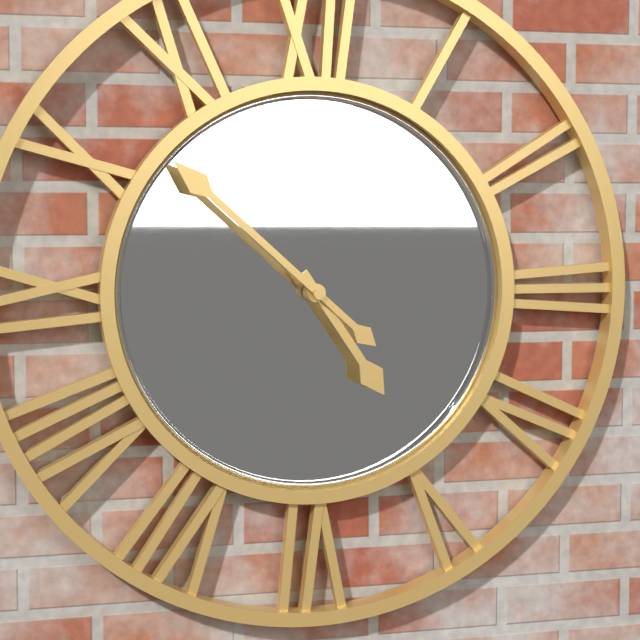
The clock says 4,52
